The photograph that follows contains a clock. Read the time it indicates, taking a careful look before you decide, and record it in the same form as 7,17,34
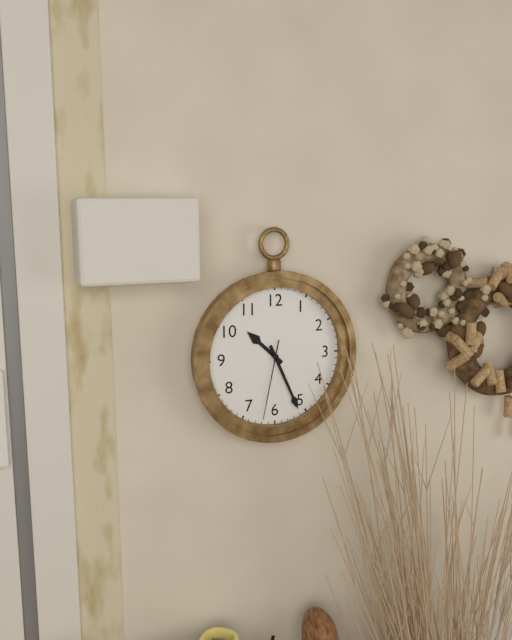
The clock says 10,26,32
